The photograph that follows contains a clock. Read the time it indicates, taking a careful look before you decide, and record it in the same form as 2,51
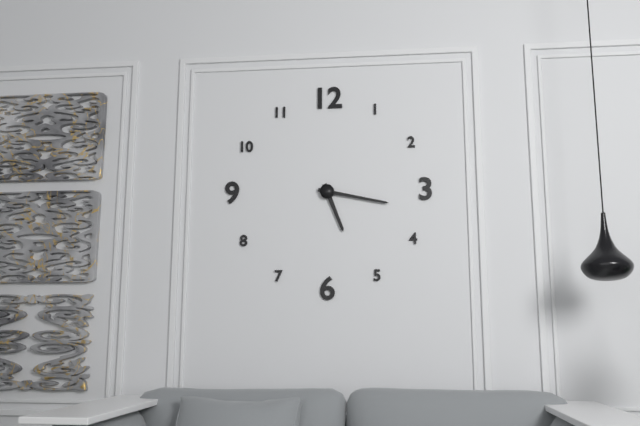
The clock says 5,17
